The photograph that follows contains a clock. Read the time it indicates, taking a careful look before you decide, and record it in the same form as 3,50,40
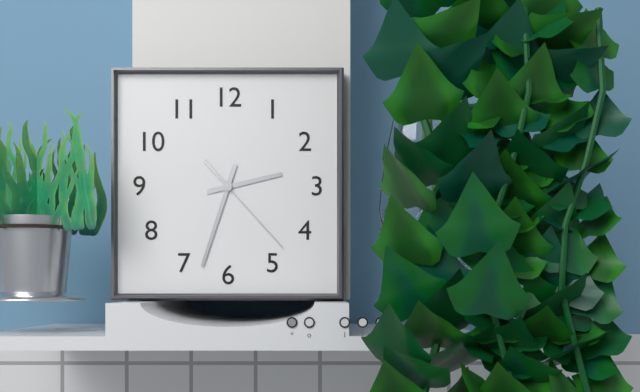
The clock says 2,33,23
